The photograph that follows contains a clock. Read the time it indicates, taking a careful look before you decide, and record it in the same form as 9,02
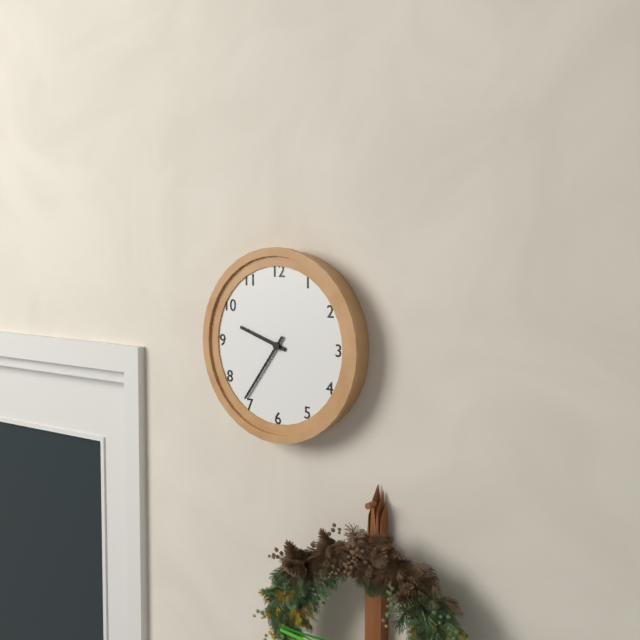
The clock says 9,36
